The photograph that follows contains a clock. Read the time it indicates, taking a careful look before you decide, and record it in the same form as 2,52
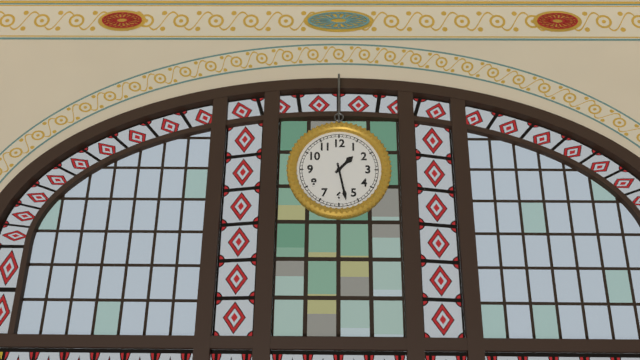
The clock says 1,28
